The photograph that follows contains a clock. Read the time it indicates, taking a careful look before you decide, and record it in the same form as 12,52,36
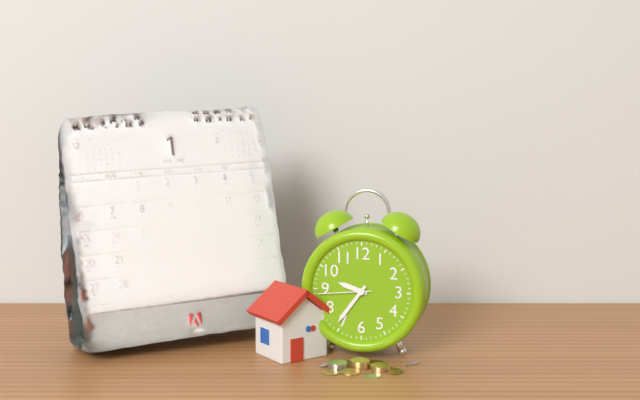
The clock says 9,36,44
